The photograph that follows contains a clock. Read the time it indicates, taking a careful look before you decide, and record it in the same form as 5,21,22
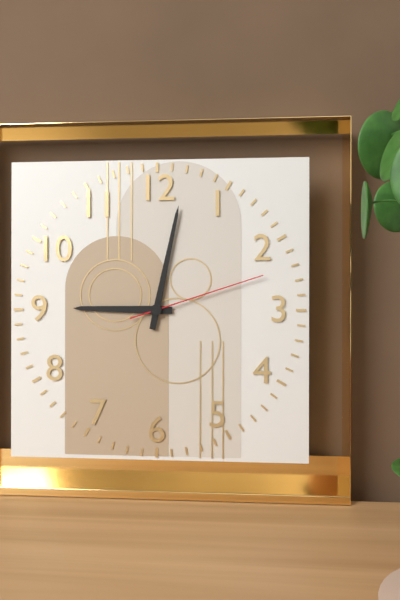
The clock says 9,02,12
